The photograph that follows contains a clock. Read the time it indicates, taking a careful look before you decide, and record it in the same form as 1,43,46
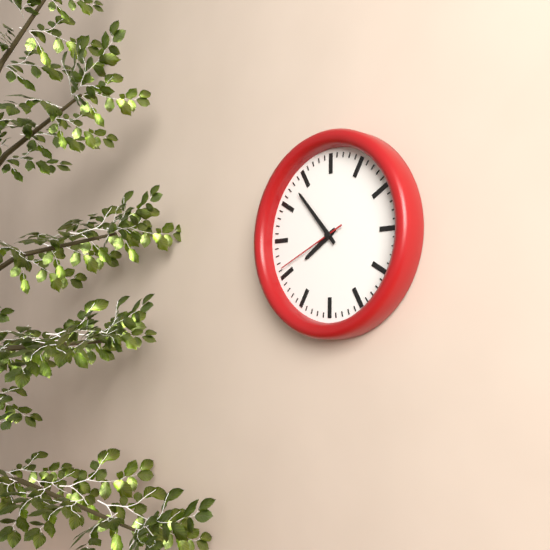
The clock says 7,53,41
